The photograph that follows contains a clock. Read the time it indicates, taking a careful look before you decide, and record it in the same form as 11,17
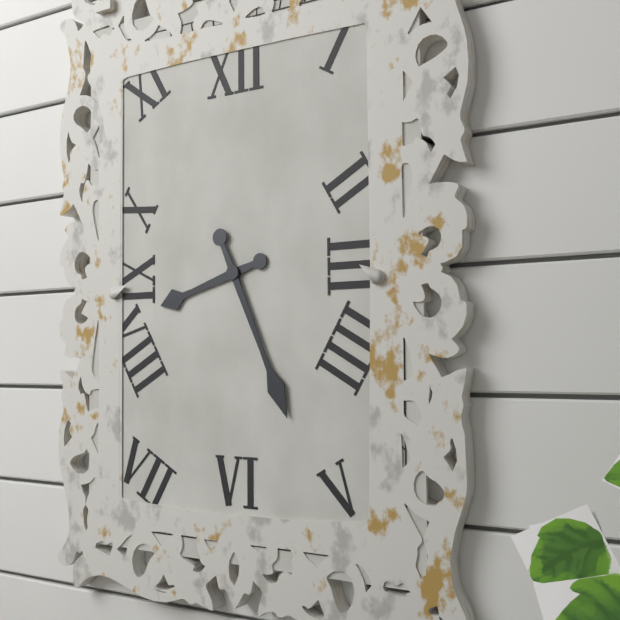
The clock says 8,26
